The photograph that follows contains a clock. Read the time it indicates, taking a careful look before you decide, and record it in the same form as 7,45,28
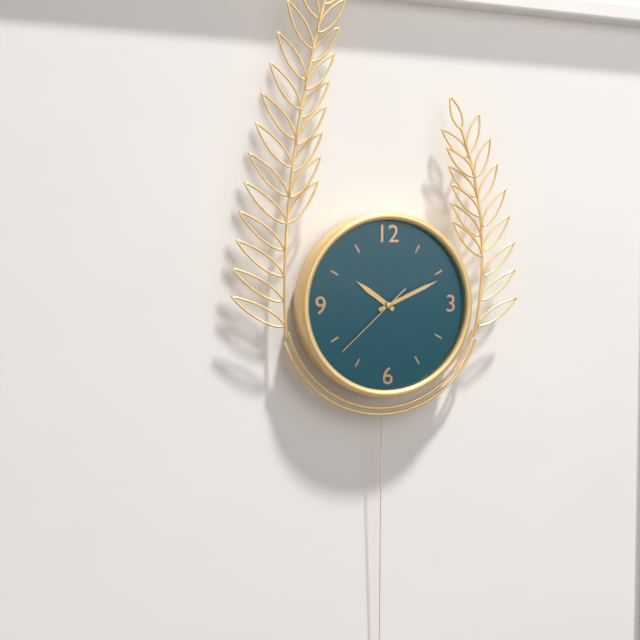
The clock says 10,11,38
